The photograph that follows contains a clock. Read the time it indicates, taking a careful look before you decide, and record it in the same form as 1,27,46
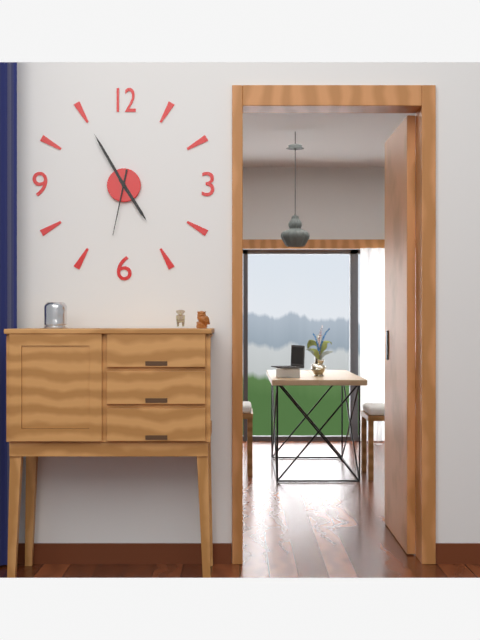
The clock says 4,55,32
